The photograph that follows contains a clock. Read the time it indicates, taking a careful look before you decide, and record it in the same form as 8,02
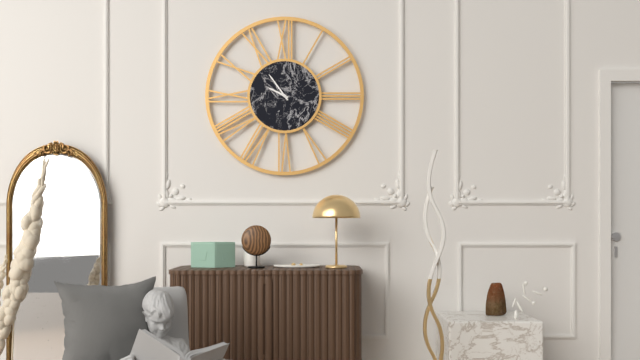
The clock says 9,54
